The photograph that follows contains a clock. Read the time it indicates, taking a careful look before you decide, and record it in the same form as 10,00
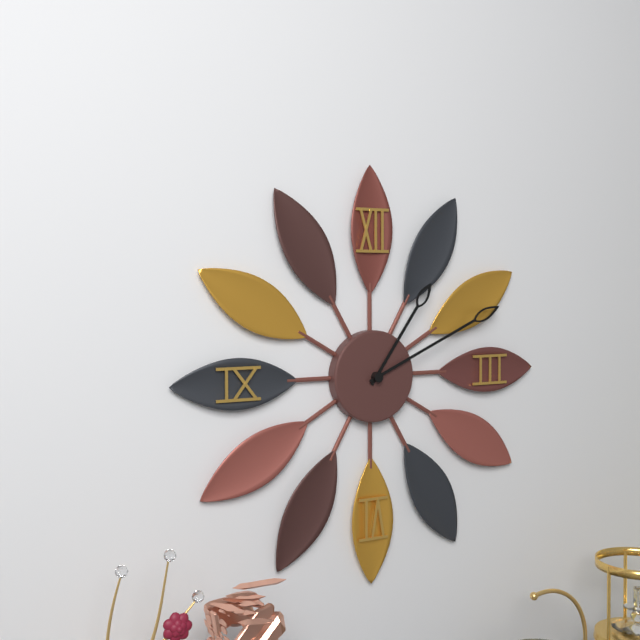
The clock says 1,11
